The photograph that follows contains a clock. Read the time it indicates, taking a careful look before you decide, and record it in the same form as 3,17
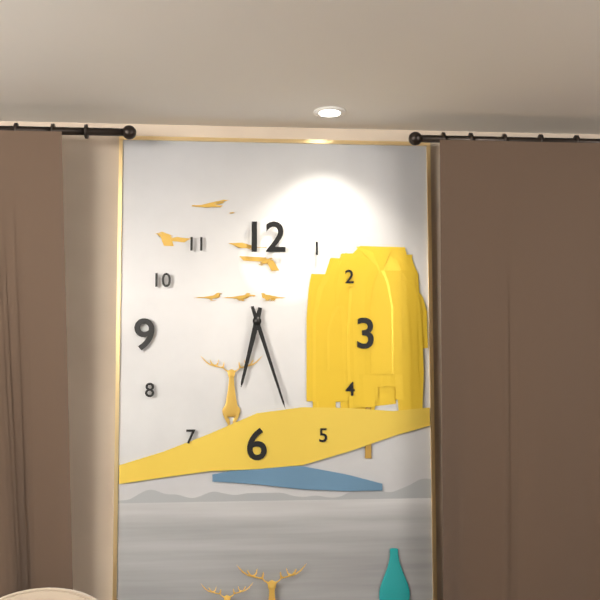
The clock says 6,27
